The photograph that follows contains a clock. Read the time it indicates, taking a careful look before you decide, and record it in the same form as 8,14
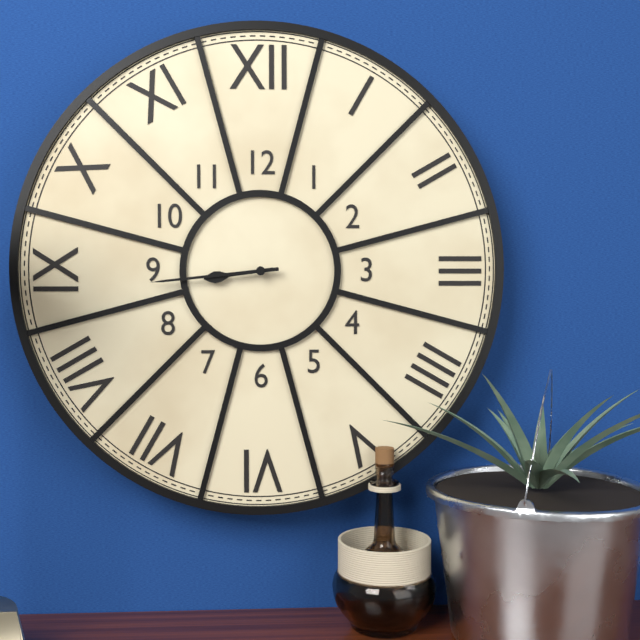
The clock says 8,44
